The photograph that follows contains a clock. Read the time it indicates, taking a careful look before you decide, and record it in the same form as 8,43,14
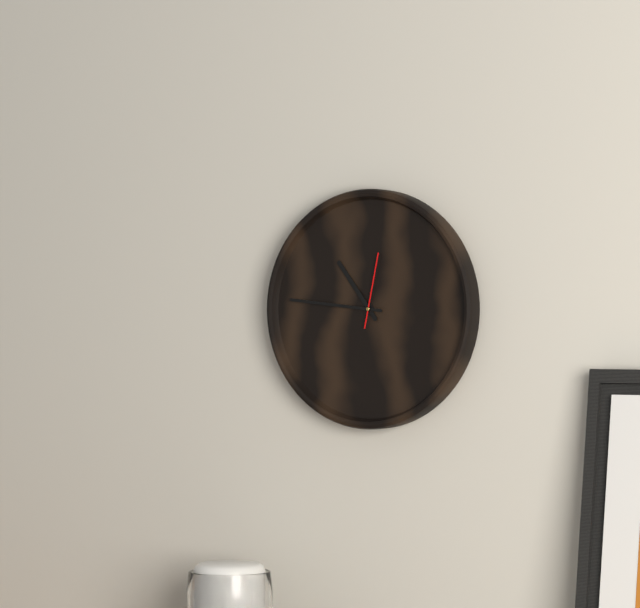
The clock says 10,46,02
